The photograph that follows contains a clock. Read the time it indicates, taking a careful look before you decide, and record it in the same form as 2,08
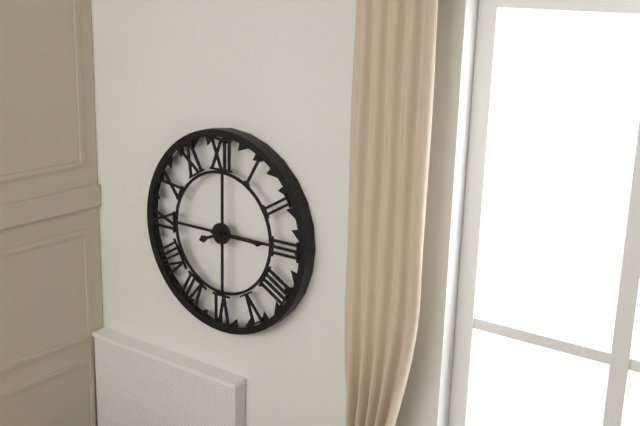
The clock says 8,15
